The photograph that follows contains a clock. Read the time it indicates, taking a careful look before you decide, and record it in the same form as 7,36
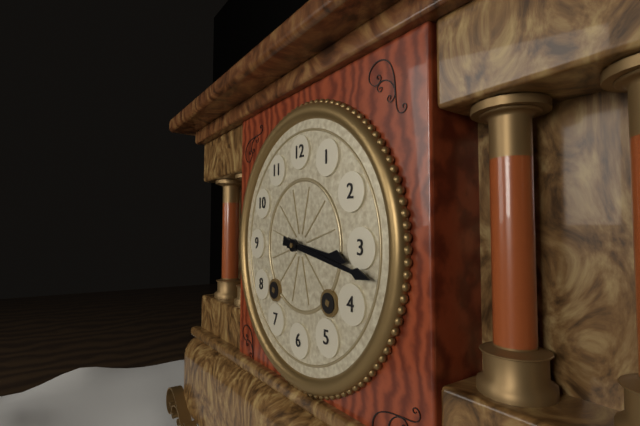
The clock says 3,17
